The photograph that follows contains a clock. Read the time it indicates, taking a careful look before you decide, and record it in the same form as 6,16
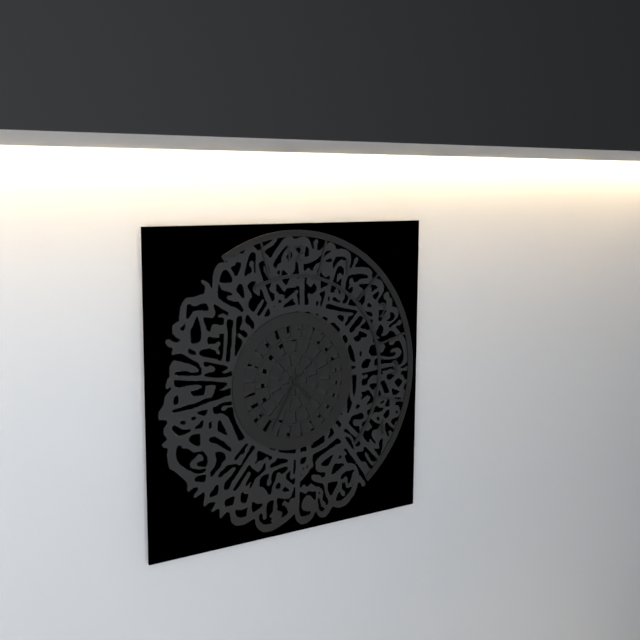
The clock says 4,35
